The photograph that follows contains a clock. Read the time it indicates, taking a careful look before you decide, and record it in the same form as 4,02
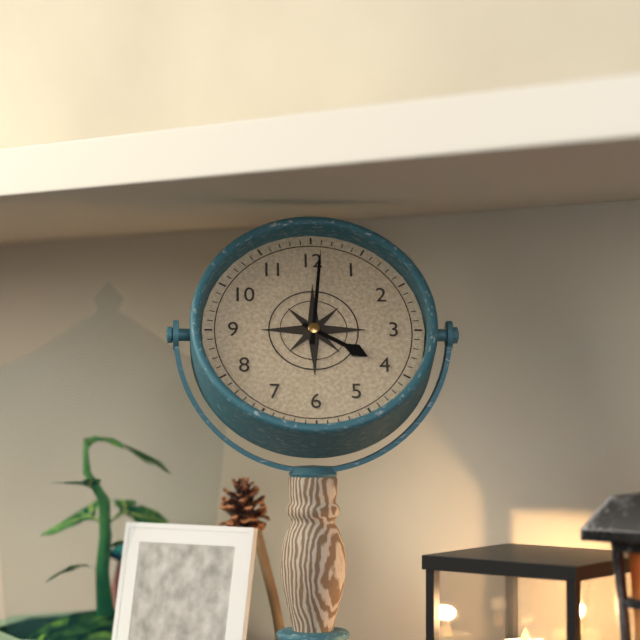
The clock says 4,01
